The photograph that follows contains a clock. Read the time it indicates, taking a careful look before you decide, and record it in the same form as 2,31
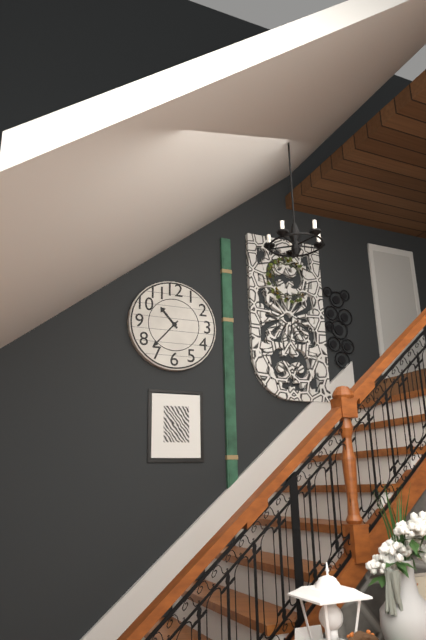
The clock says 10,37
